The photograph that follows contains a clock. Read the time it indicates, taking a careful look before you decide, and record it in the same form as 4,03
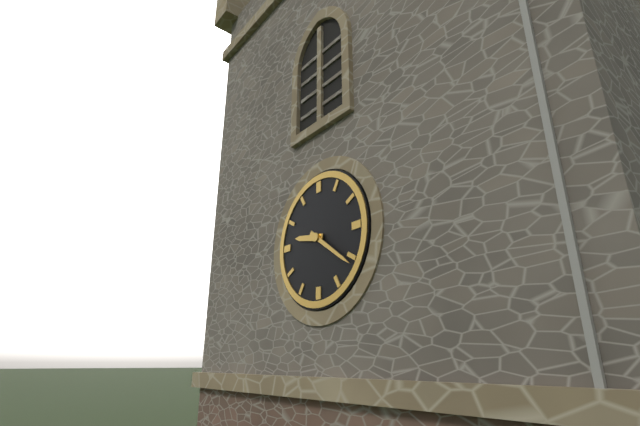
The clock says 9,21
